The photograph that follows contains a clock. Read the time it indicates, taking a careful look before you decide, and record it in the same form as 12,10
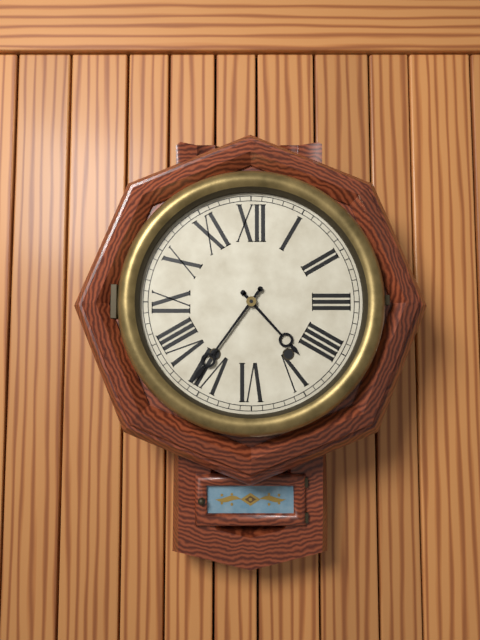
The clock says 4,36
